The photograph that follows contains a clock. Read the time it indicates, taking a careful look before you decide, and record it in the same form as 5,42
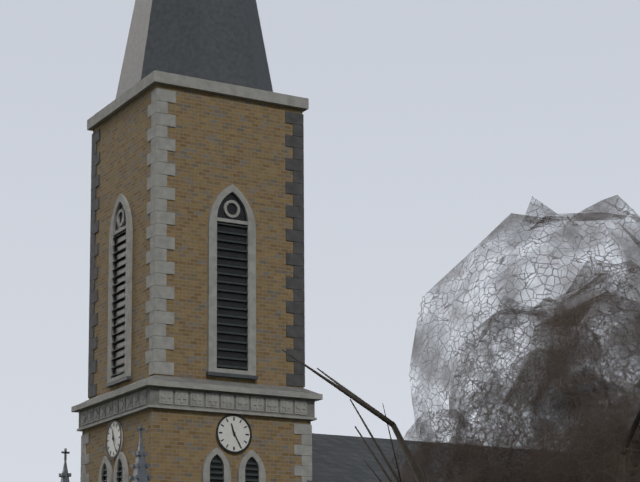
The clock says 11,25
